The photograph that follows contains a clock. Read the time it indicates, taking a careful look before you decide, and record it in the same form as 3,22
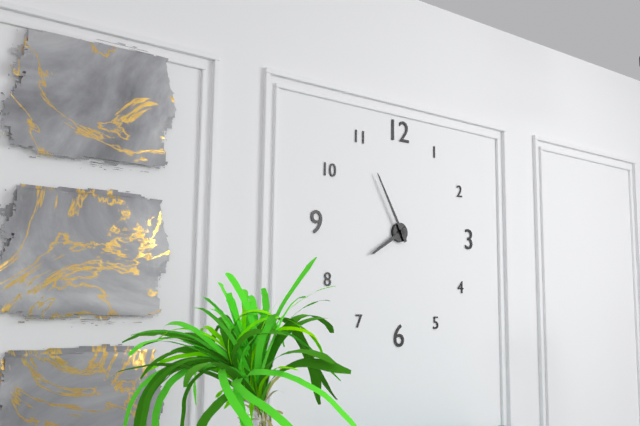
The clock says 7,55
